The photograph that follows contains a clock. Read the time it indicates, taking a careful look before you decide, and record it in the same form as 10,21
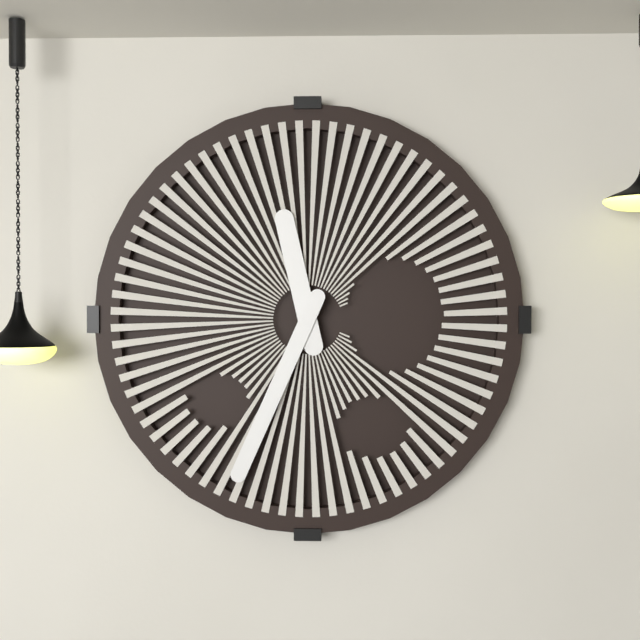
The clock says 11,34
